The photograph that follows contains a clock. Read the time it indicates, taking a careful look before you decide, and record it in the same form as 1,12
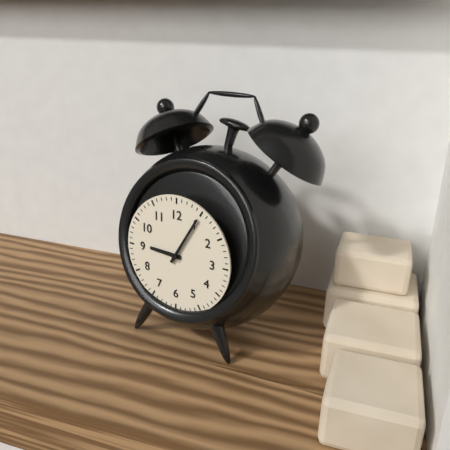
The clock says 9,05
